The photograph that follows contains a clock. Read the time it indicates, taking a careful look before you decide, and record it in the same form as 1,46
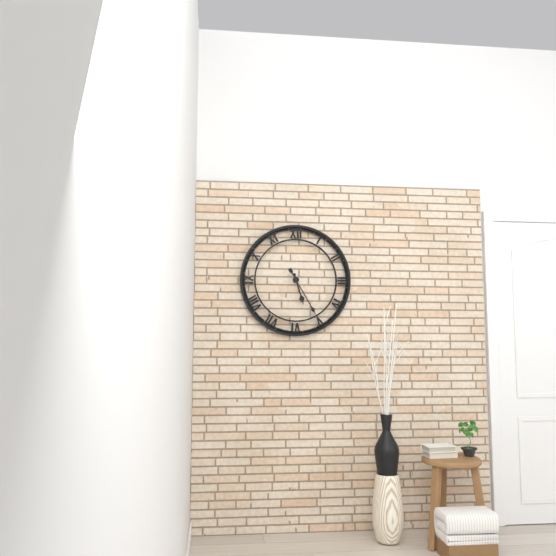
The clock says 5,25
